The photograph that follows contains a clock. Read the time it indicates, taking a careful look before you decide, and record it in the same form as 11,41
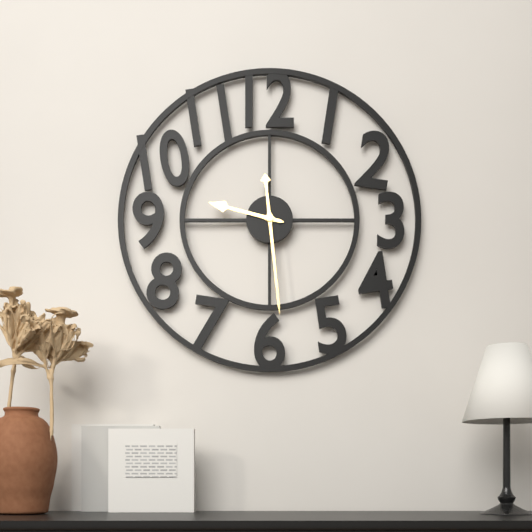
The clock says 9,29
